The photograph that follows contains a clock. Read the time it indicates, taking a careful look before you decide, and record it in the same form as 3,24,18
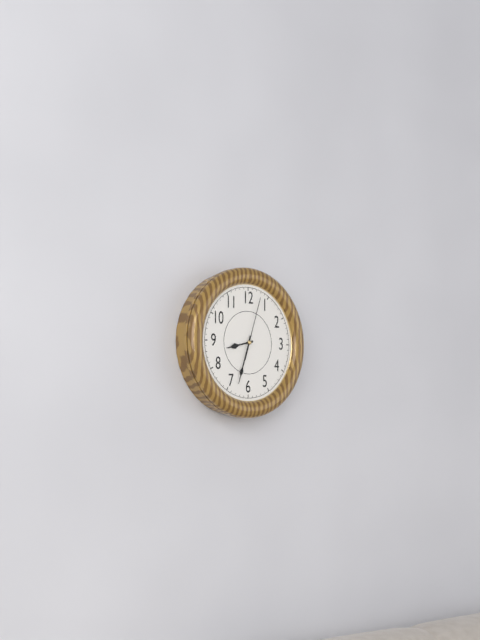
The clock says 8,33,03
